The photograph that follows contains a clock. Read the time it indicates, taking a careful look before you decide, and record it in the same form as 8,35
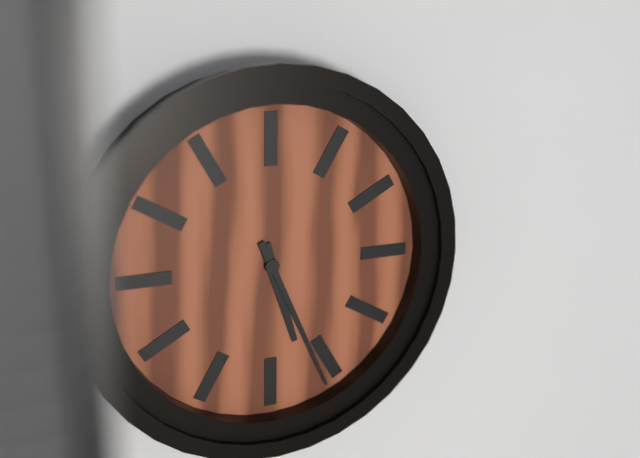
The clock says 5,26
